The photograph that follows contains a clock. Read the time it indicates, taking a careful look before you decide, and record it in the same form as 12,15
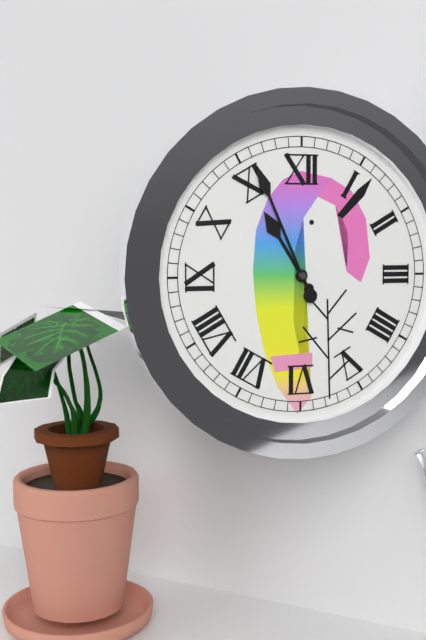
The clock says 10,56
